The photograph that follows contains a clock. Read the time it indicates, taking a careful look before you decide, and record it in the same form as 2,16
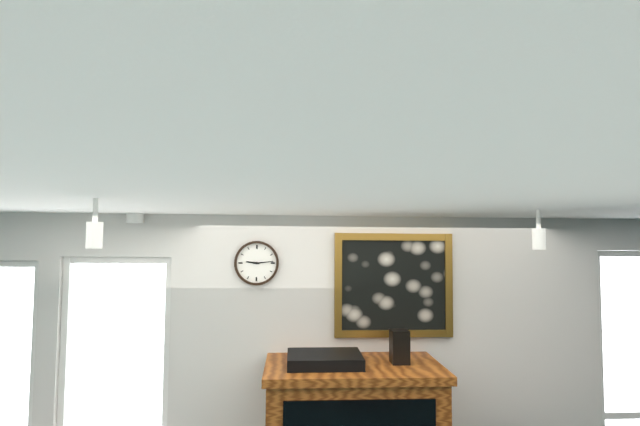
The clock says 9,14
